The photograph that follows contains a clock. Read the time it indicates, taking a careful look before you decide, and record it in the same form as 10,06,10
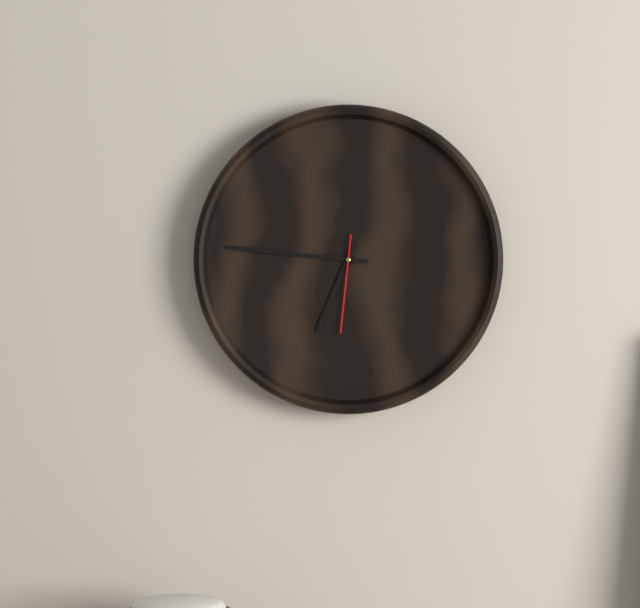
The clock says 6,46,31
